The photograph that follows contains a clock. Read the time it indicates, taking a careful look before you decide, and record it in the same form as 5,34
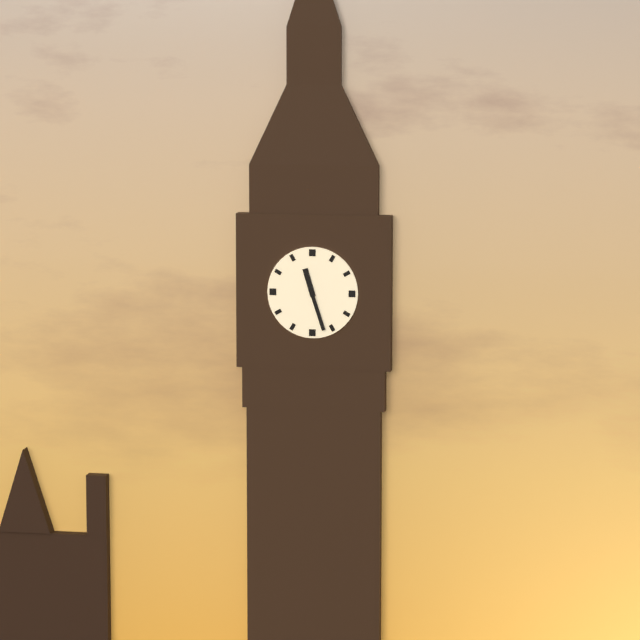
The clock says 11,27
